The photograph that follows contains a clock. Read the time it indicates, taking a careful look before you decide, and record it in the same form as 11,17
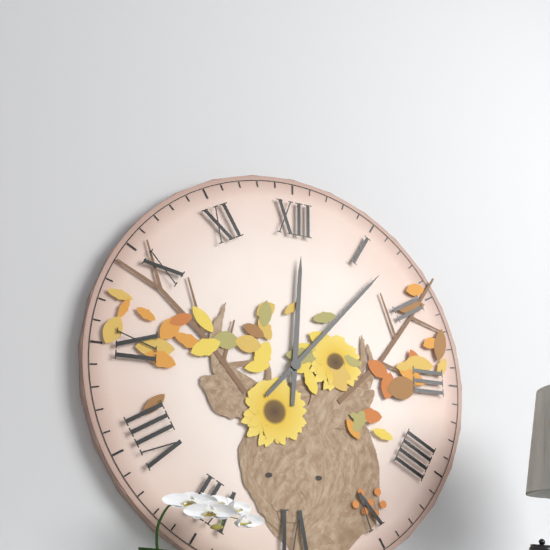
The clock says 12,07
